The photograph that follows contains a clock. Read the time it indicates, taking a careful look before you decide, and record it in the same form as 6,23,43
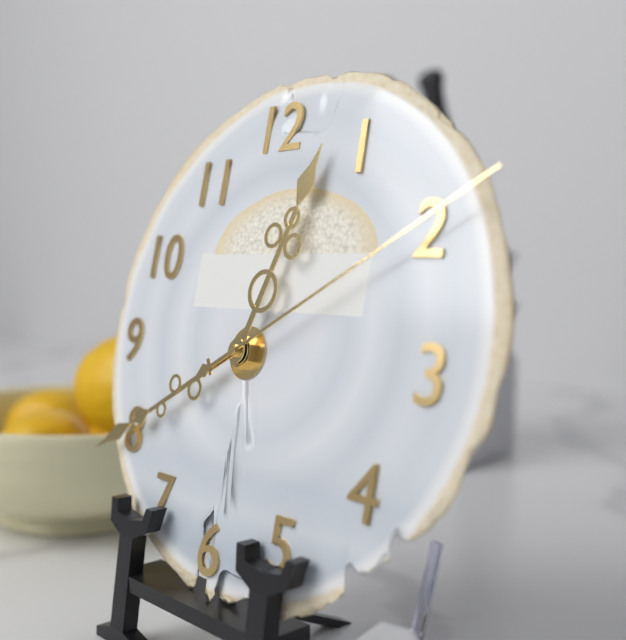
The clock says 12,40,10
